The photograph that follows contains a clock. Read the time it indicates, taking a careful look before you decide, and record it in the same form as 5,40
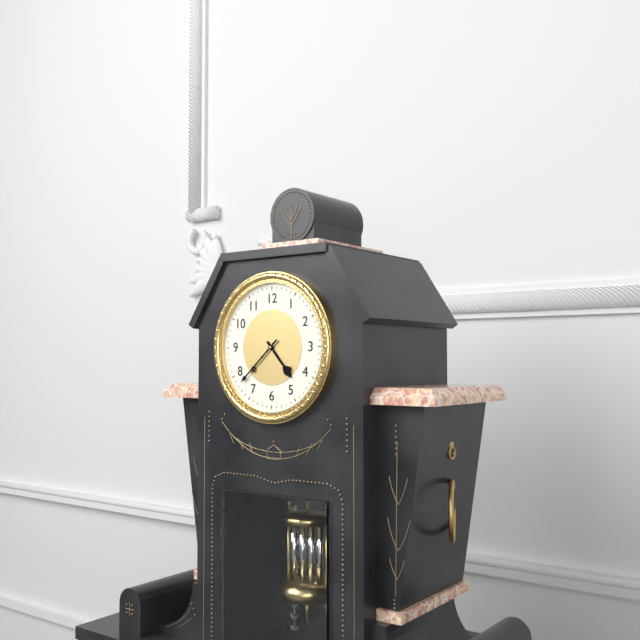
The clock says 4,38
